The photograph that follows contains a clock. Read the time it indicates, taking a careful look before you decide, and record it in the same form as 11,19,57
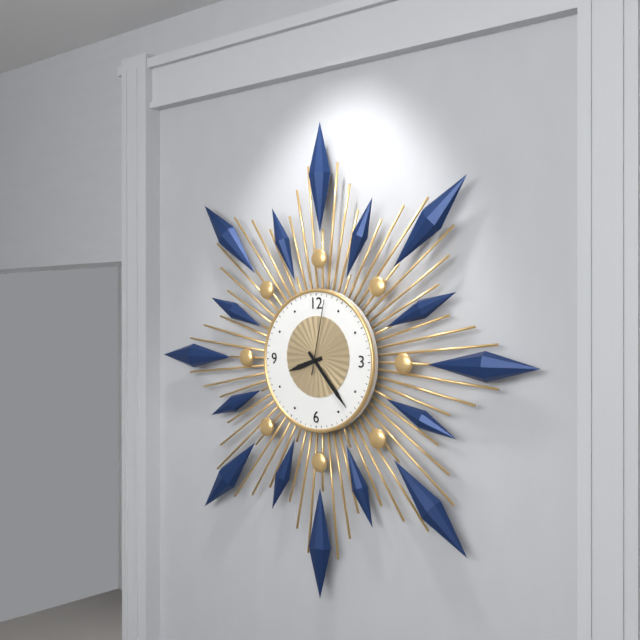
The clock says 8,23,02
